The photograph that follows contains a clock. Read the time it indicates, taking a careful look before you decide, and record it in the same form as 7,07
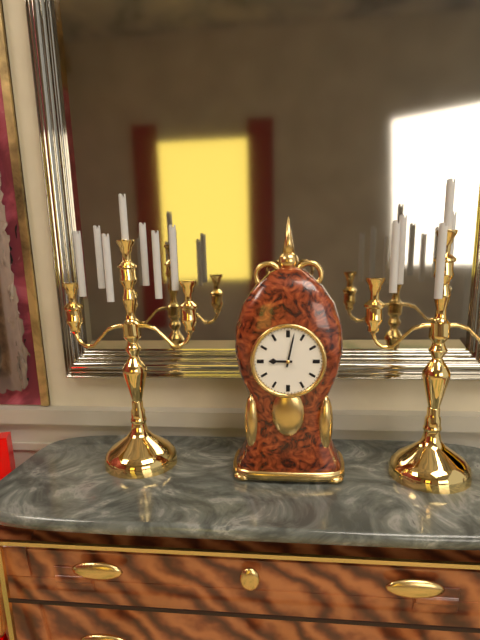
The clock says 9,02
